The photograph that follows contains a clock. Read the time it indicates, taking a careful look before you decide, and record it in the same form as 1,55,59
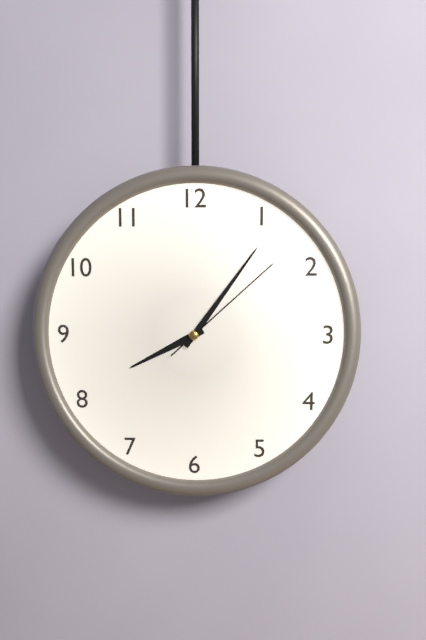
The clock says 8,06,08
